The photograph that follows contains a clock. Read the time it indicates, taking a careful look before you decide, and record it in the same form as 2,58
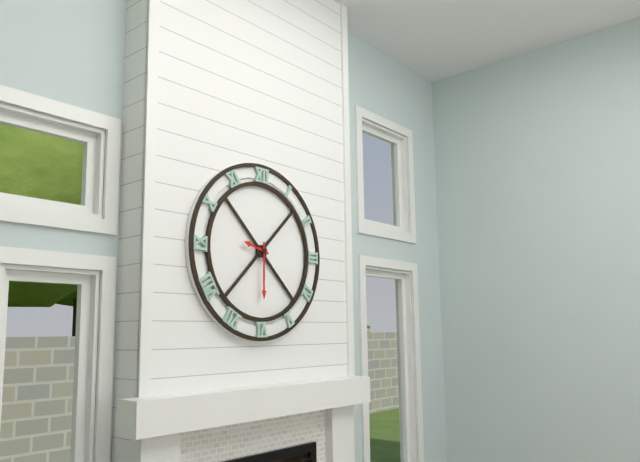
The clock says 9,30
